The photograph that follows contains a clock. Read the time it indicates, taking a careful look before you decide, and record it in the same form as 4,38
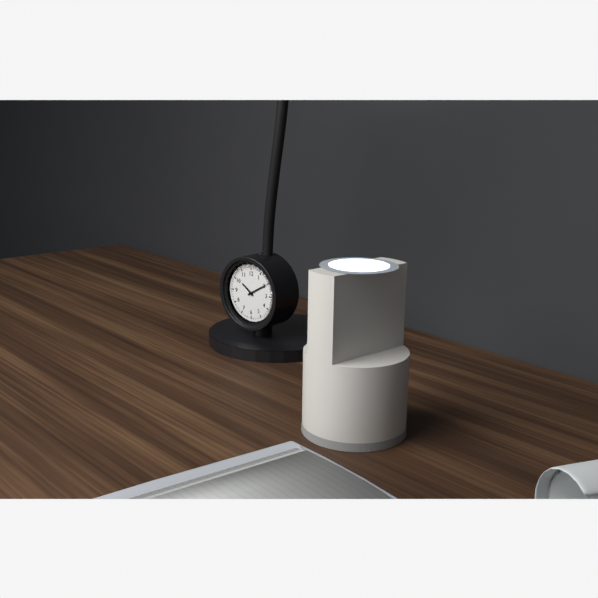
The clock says 10,10
